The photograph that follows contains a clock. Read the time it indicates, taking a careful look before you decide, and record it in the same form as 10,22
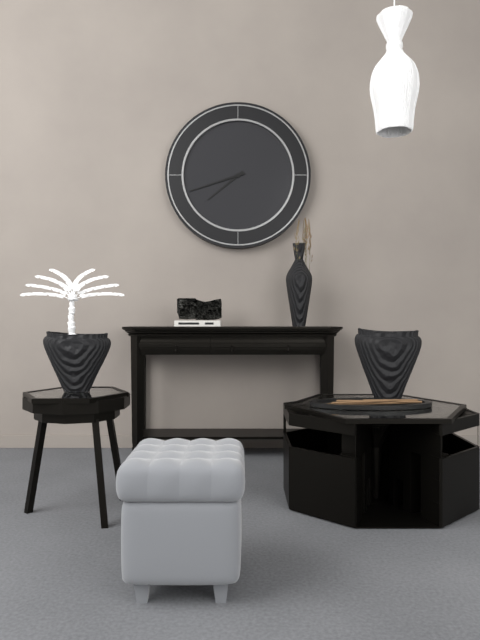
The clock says 7,42
